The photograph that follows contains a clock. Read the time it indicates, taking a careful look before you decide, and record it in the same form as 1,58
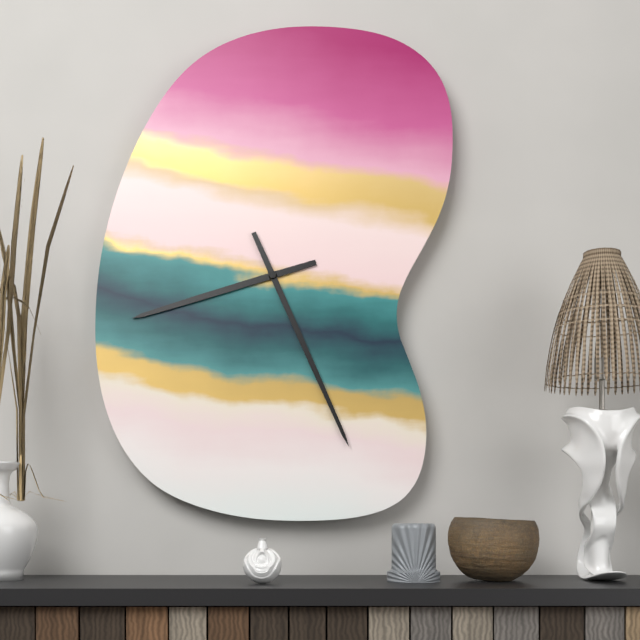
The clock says 8,26
